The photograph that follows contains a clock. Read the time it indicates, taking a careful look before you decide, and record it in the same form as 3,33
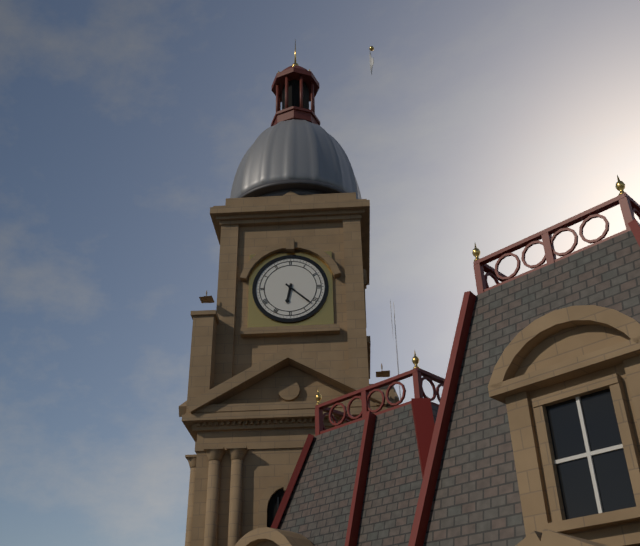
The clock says 6,22
